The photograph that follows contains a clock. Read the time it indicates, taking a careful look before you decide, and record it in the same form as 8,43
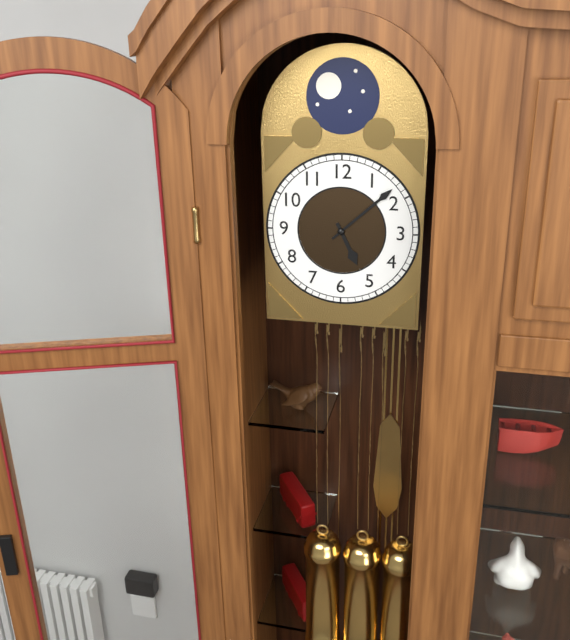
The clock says 5,08
